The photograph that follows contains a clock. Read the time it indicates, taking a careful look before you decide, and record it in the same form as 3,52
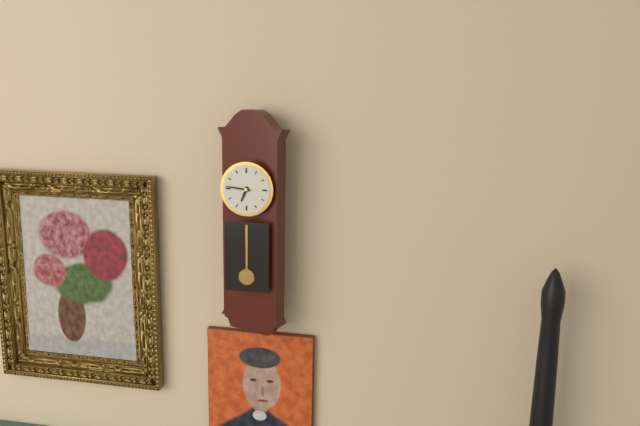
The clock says 6,46
